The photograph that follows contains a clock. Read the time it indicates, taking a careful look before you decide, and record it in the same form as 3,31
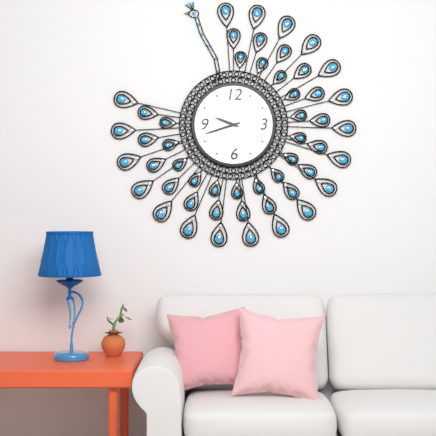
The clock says 9,42
